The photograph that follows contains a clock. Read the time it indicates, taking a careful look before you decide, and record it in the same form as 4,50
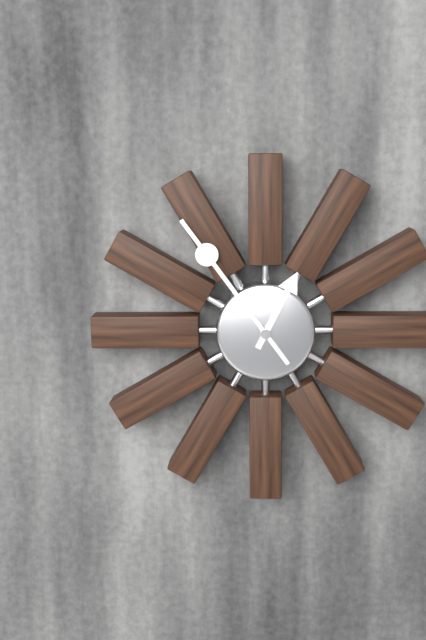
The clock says 12,54
